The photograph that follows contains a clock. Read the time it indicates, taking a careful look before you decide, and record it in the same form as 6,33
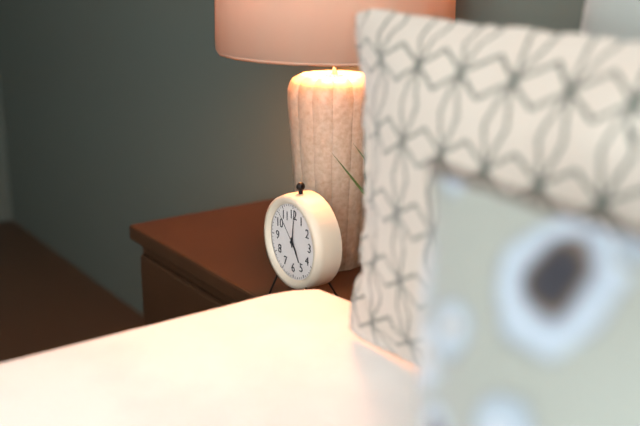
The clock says 5,01
